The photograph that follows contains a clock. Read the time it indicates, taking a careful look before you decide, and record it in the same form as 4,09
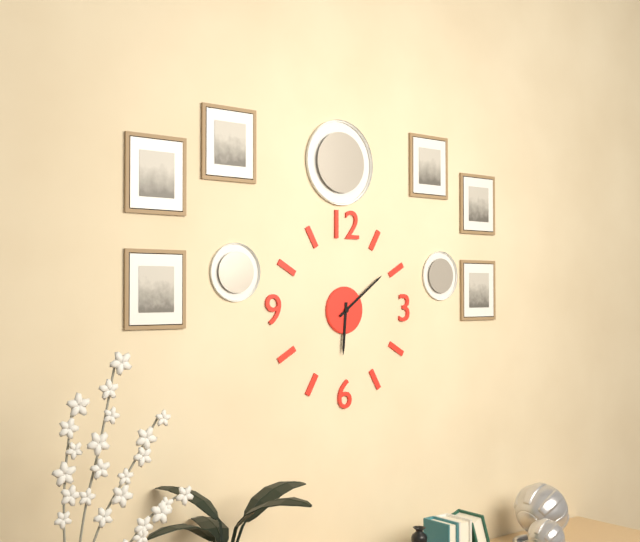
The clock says 6,09
